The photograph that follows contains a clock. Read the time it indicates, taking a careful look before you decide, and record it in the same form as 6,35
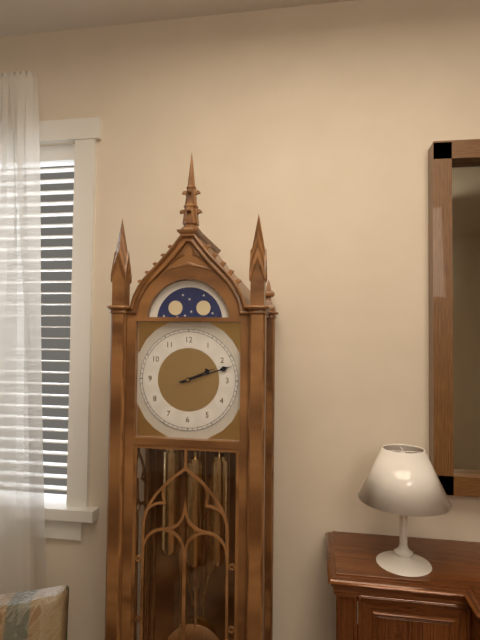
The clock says 2,12
